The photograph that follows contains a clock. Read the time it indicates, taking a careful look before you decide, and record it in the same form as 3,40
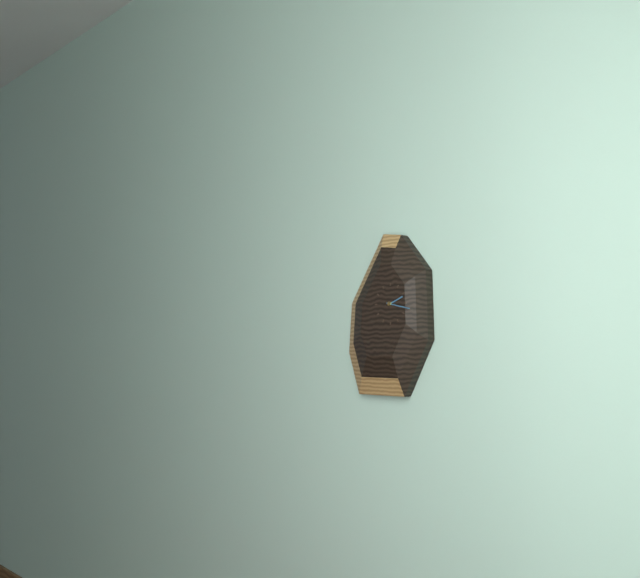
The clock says 2,17
